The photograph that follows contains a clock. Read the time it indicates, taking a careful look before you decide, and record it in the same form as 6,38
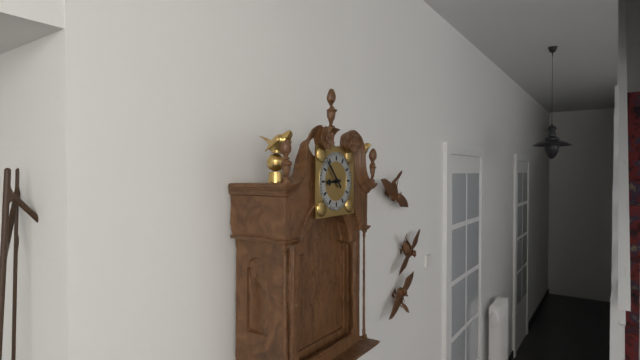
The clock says 8,53
